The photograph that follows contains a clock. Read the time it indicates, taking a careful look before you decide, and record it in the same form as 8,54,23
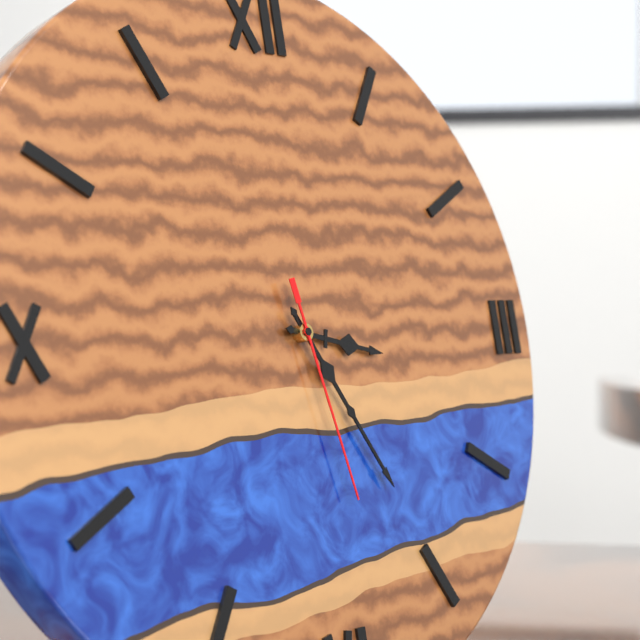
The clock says 3,25,28
